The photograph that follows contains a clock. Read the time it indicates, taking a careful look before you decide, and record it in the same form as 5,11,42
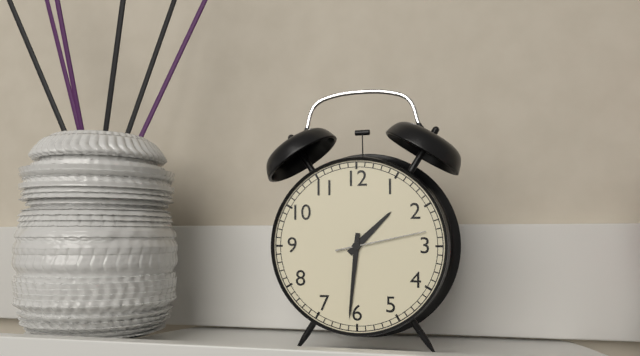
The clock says 1,31,13
